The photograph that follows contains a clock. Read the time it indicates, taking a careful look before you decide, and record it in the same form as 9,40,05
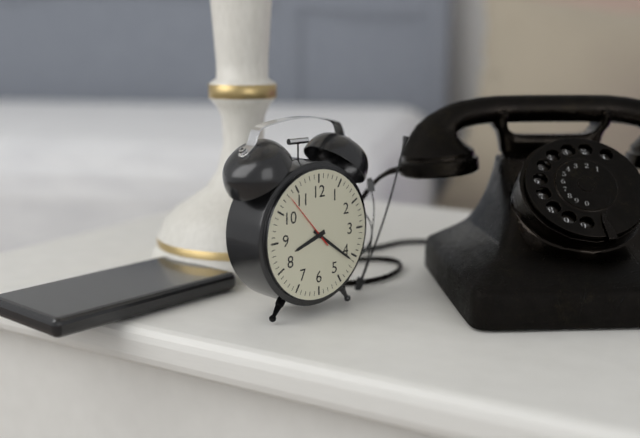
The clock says 8,21,53
